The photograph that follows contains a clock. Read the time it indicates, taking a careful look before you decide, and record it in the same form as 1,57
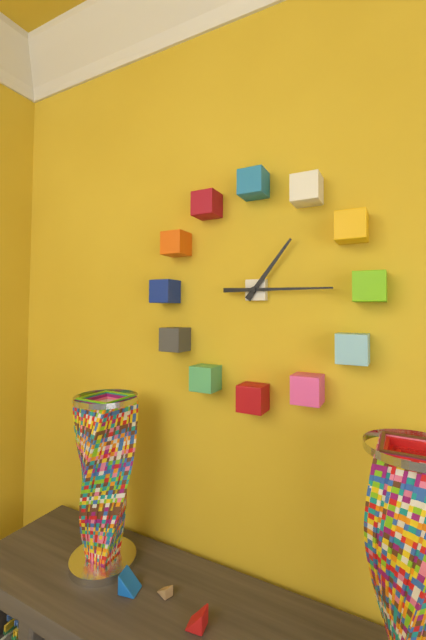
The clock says 1,15
